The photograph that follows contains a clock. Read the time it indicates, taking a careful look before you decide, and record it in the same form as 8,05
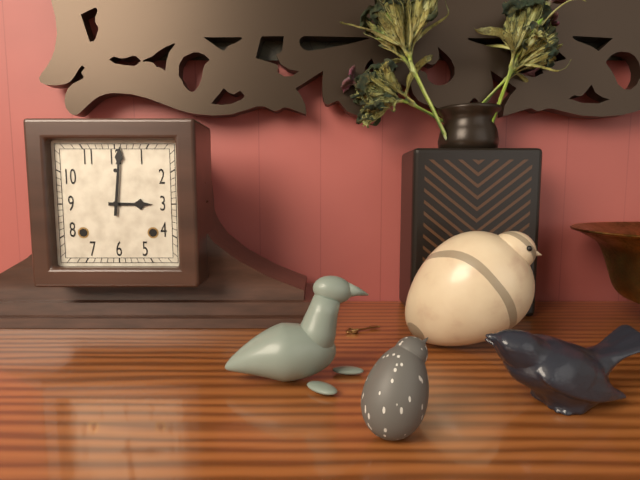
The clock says 3,01
